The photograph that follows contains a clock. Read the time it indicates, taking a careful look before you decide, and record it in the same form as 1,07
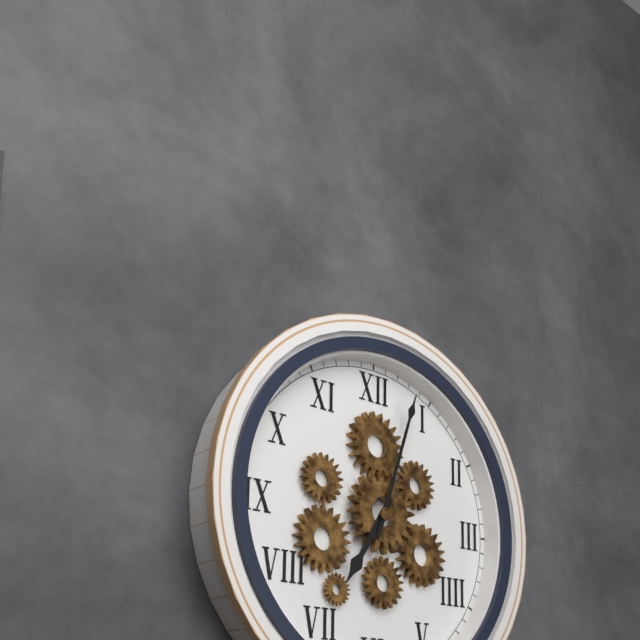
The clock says 7,03
